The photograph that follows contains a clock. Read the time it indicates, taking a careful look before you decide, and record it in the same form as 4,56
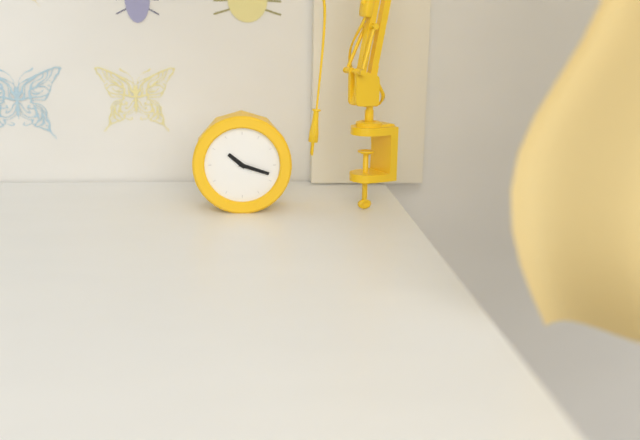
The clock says 10,18
